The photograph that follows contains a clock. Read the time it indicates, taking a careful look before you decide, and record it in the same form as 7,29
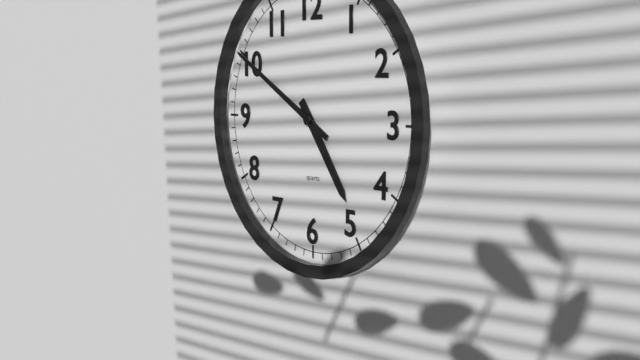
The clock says 4,50
